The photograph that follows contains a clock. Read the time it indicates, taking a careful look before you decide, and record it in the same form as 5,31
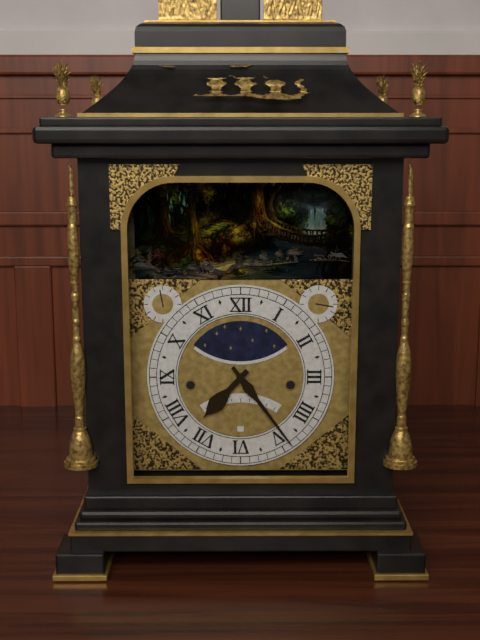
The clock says 7,24
